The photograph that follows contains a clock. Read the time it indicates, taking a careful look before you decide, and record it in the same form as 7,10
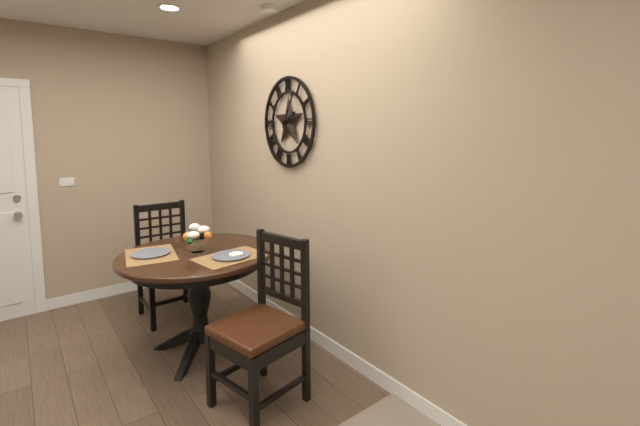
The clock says 2,05
